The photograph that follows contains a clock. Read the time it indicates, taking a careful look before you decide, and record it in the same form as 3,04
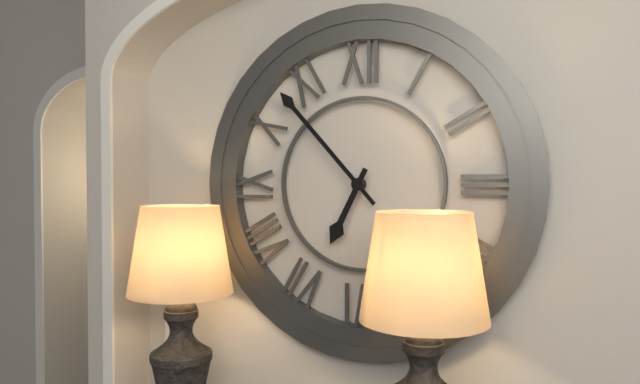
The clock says 6,53
